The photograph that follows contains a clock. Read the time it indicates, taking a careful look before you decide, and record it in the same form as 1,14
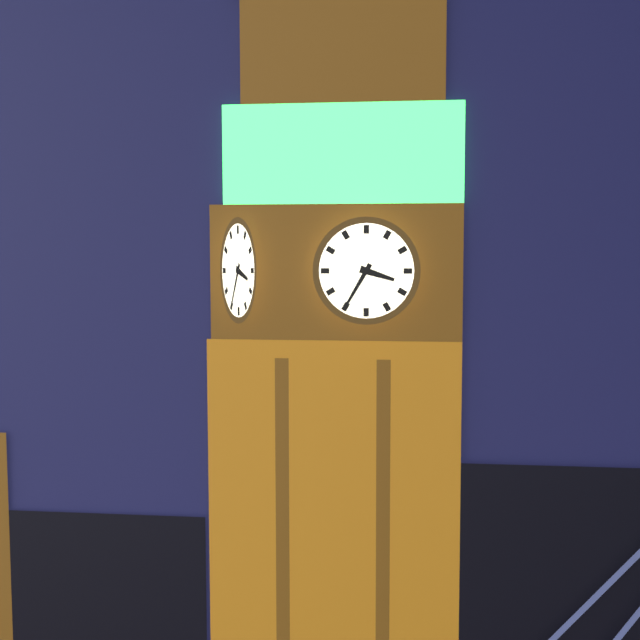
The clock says 3,35
